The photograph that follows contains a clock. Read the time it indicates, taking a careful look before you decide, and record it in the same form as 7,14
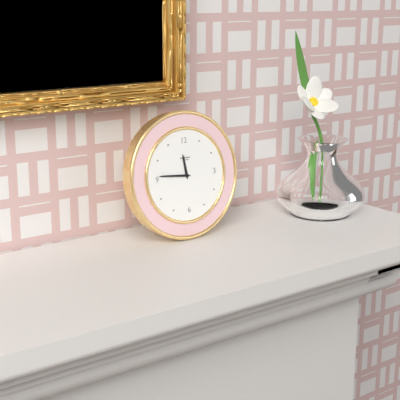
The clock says 11,46
